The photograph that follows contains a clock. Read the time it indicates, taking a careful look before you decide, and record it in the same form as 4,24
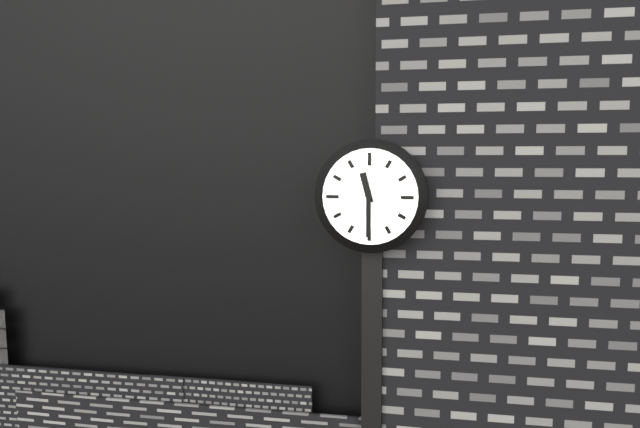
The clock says 11,30
